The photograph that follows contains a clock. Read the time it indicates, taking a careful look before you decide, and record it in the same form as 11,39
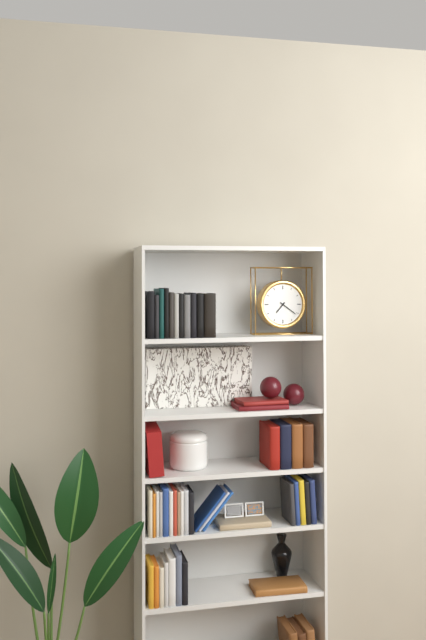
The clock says 7,21
